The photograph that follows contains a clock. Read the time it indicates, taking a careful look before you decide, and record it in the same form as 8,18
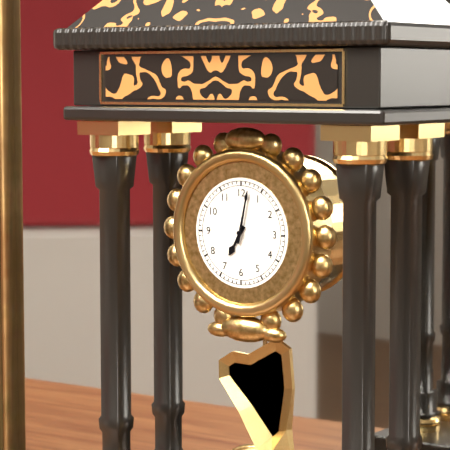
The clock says 7,02
